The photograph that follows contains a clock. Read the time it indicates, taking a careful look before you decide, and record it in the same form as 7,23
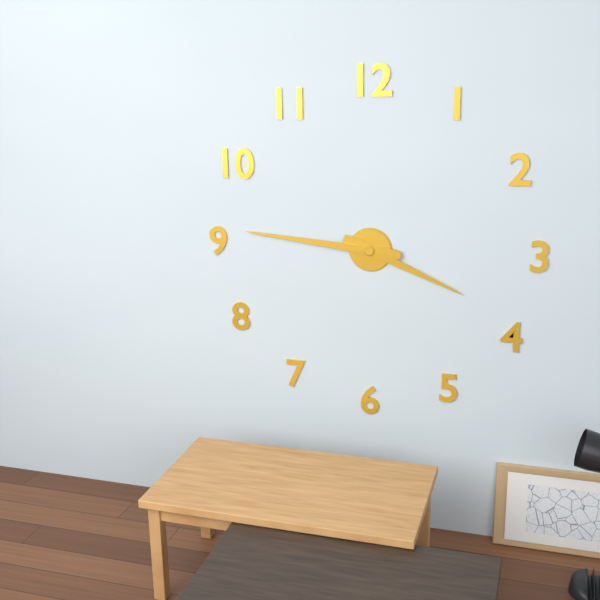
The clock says 3,46
